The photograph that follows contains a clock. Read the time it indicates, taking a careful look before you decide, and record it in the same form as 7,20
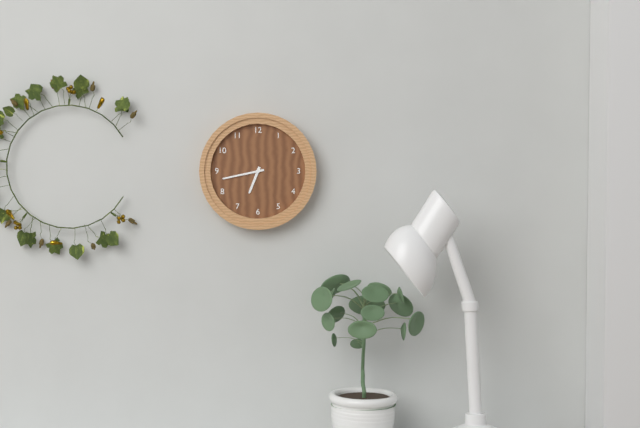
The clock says 6,43
